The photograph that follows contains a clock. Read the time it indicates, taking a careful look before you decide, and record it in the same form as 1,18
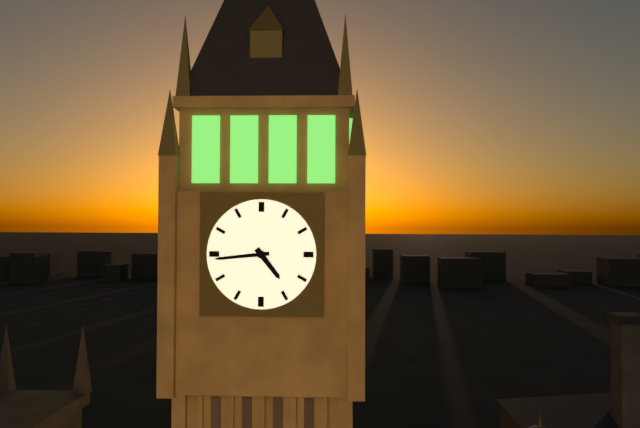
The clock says 4,44
